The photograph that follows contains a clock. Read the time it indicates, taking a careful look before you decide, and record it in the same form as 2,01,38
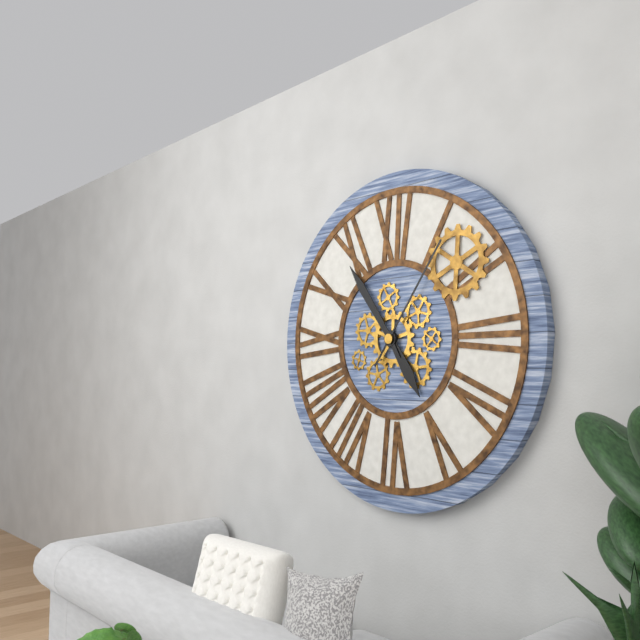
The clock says 4,54,06
